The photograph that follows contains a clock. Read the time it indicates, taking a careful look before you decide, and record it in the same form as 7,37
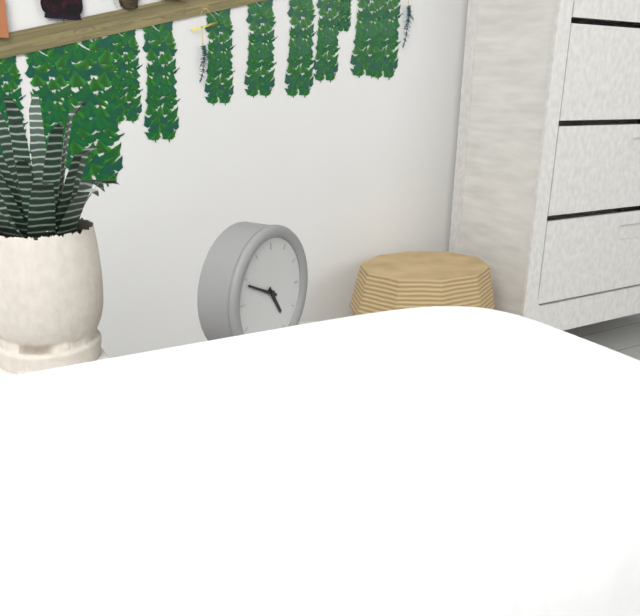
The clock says 4,49
